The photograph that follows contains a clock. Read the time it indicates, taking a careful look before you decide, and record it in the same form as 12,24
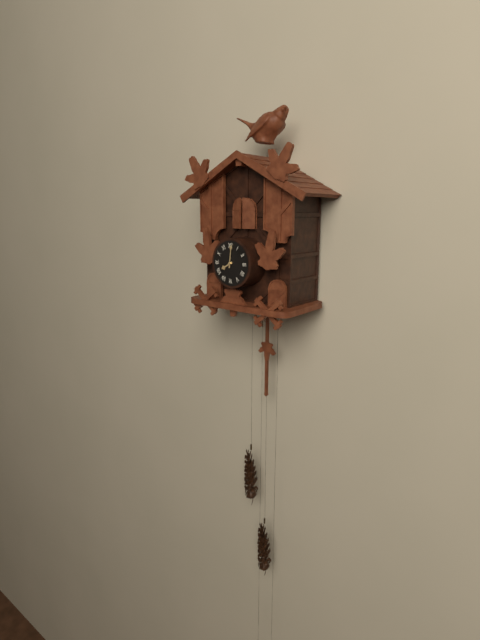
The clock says 8,01
